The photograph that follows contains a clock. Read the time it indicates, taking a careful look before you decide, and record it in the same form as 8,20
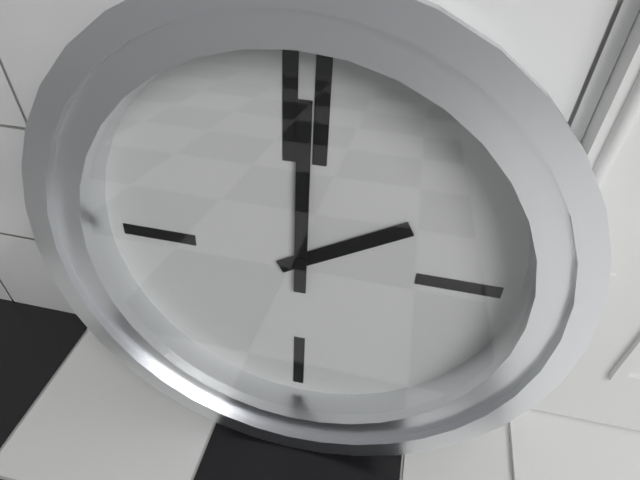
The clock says 2,00
